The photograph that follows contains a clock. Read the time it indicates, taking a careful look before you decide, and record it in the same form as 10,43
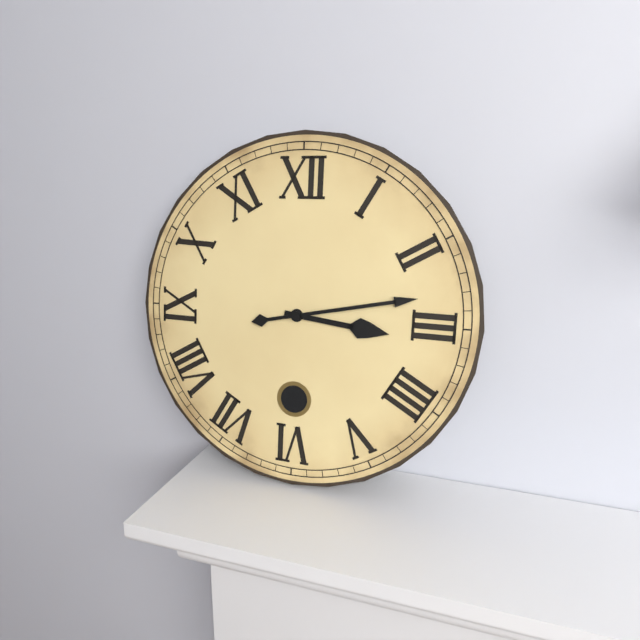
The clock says 3,13
